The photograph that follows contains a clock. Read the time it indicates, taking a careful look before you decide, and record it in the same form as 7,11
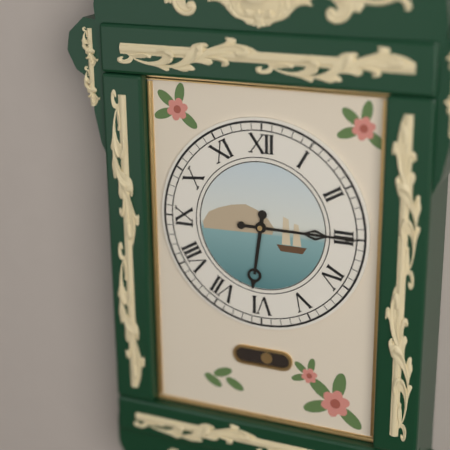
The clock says 6,15
